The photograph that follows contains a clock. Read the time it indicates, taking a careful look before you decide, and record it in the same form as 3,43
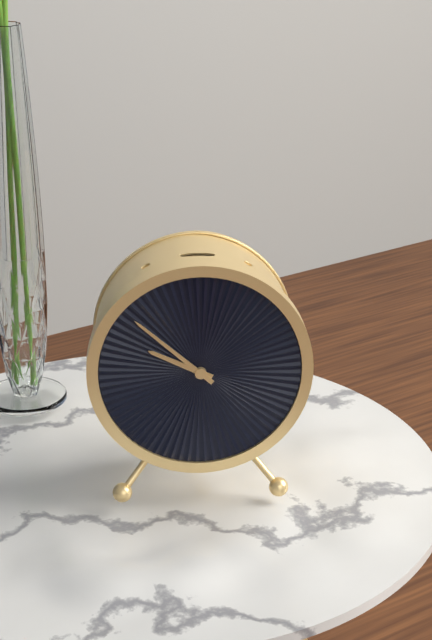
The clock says 9,52
